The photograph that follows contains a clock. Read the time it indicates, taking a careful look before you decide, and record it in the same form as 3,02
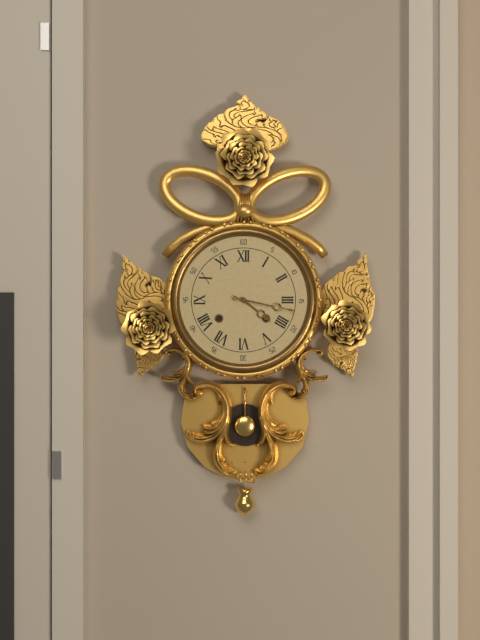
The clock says 4,17
